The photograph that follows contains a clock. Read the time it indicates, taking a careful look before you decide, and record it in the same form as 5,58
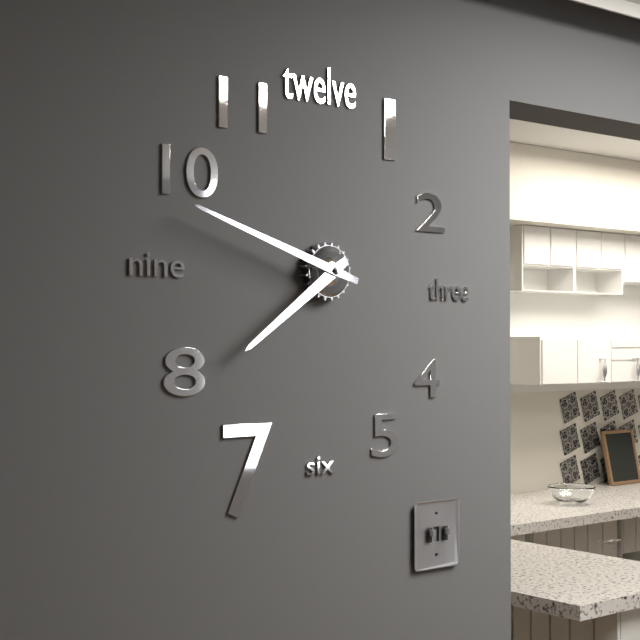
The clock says 7,48
